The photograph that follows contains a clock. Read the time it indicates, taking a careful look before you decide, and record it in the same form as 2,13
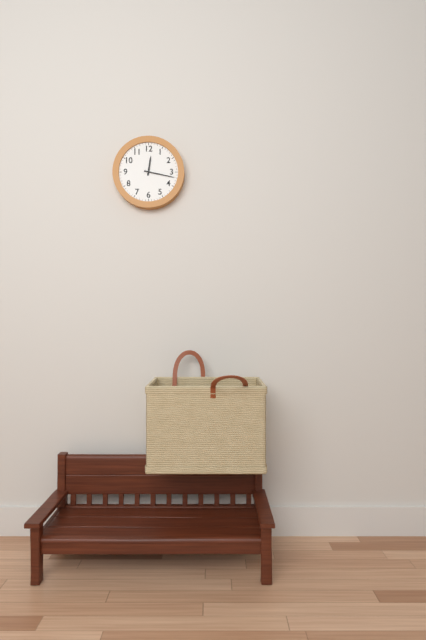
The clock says 12,17
